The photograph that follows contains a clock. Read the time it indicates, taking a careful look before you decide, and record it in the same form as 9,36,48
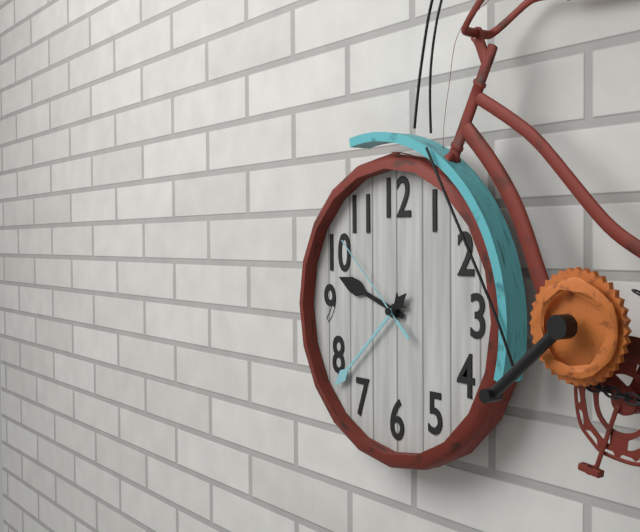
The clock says 9,38,52
